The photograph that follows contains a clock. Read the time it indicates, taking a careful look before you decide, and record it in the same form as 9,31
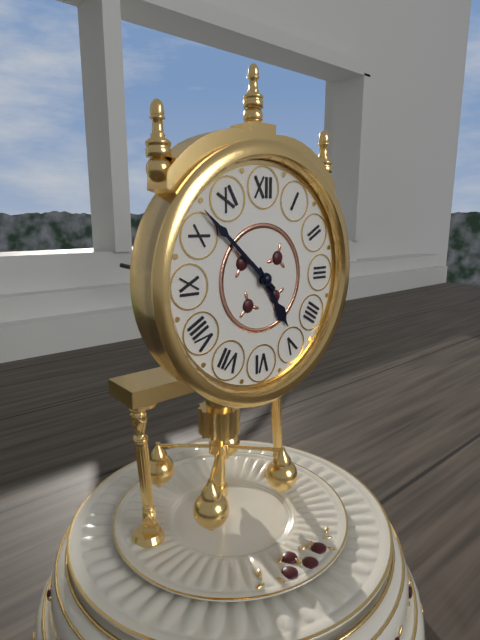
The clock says 4,52
